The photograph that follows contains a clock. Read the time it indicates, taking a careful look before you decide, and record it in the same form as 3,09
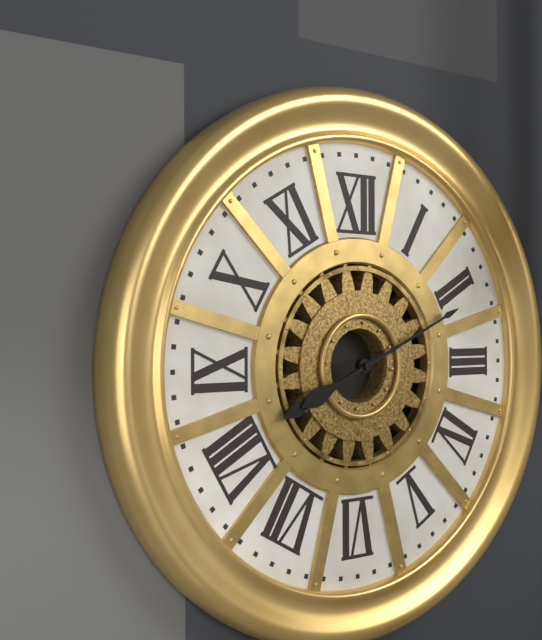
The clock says 8,11
